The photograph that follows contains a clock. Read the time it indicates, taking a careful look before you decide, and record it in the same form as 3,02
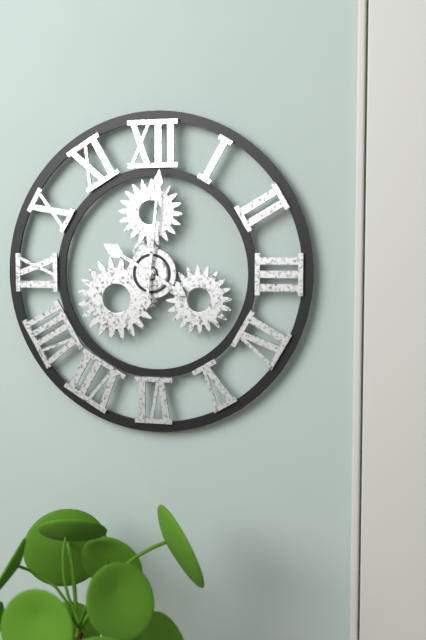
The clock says 10,01
